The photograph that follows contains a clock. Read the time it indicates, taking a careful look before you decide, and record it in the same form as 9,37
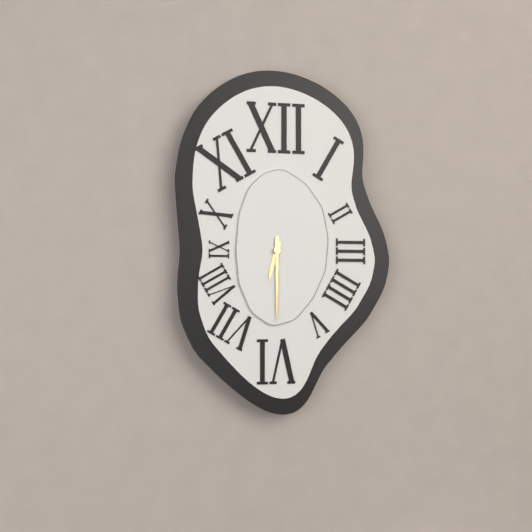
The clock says 6,30
